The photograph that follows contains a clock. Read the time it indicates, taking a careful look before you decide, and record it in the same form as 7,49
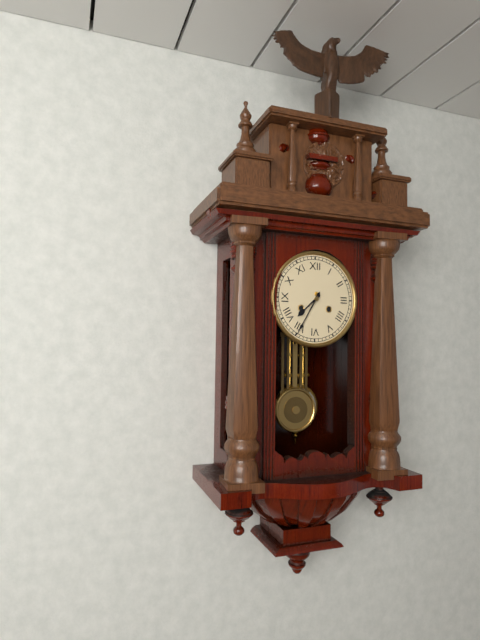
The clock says 7,35
